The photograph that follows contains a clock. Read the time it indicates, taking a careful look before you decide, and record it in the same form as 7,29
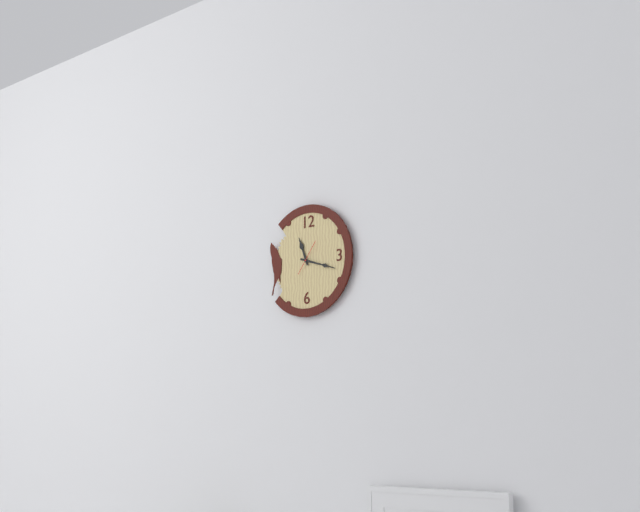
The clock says 11,18
